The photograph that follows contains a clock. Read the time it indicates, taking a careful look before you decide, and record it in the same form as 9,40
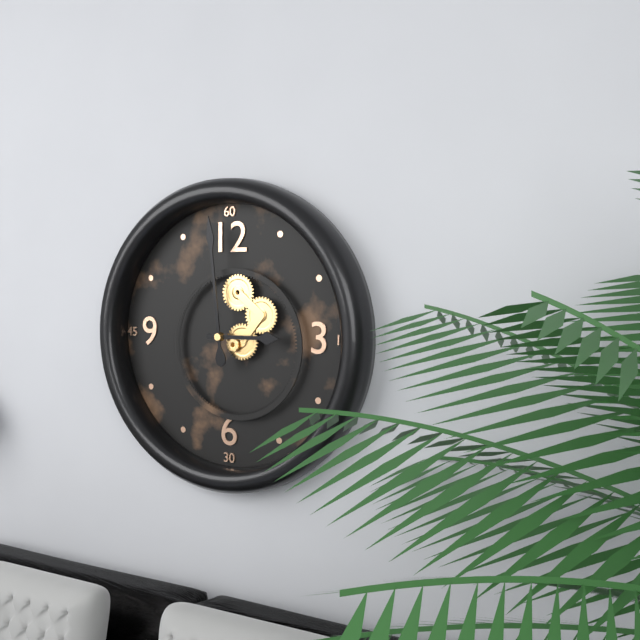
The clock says 2,59
